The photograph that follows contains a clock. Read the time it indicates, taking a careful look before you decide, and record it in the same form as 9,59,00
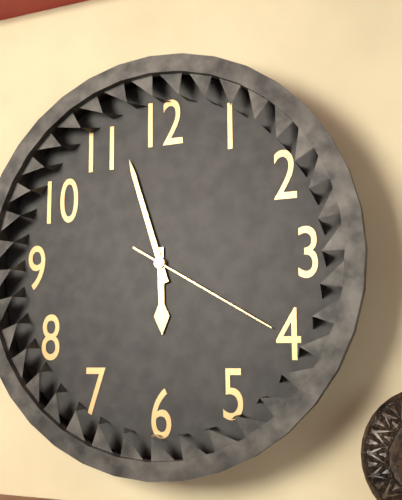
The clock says 5,57,20
